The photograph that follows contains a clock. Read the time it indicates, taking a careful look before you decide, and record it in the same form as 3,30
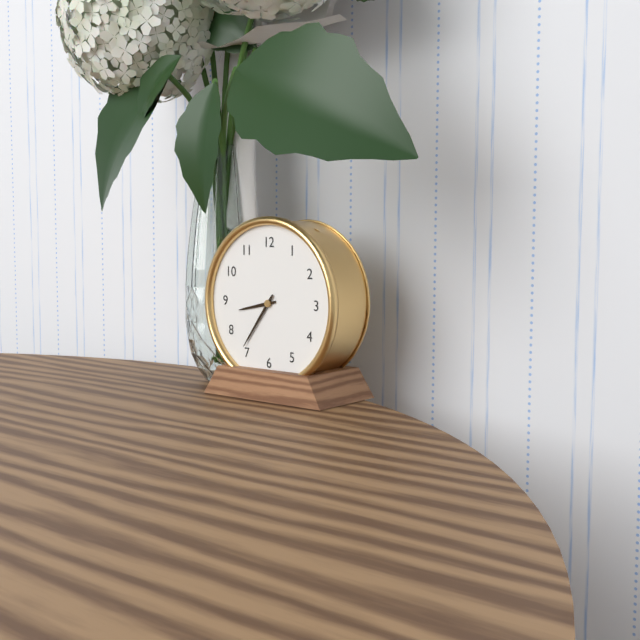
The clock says 8,36
